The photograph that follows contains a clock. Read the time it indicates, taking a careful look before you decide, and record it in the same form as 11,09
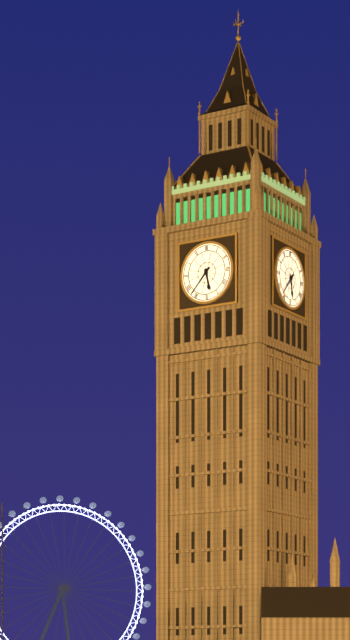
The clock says 5,37
